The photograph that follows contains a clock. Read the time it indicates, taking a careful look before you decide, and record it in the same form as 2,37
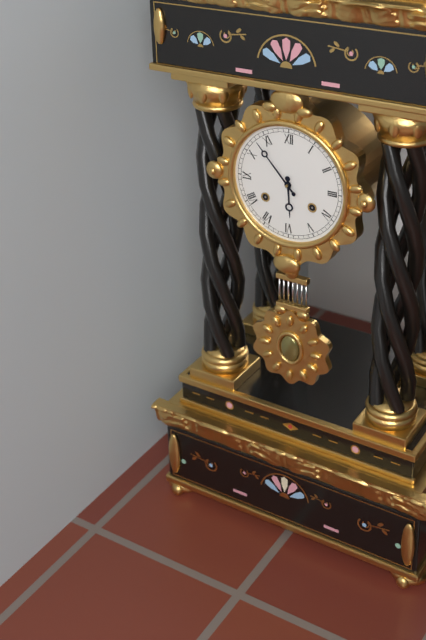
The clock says 5,53
